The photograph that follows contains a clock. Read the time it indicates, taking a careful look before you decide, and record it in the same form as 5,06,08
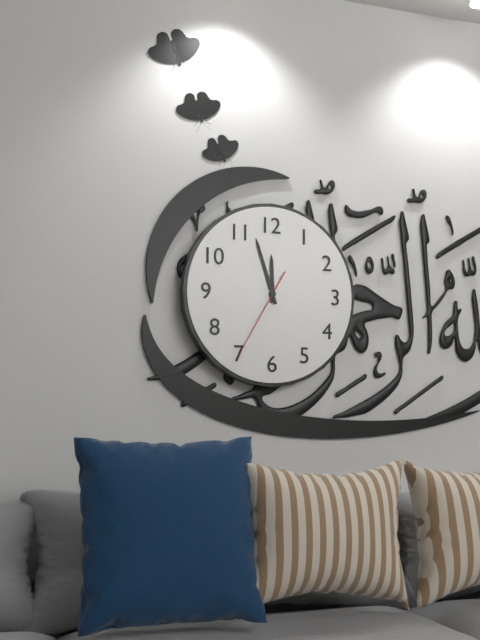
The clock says 11,57,35
